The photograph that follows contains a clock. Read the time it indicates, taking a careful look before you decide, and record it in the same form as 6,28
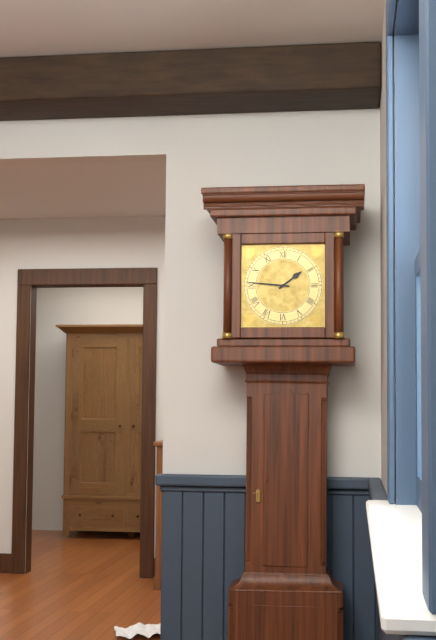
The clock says 1,46
